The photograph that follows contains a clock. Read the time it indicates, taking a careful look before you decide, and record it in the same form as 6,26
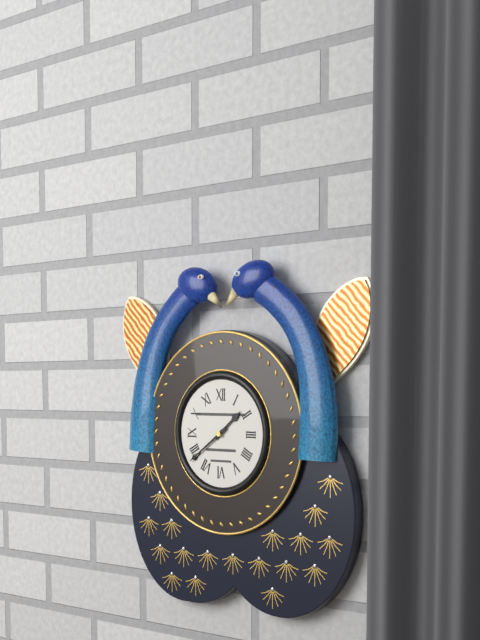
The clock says 1,39
